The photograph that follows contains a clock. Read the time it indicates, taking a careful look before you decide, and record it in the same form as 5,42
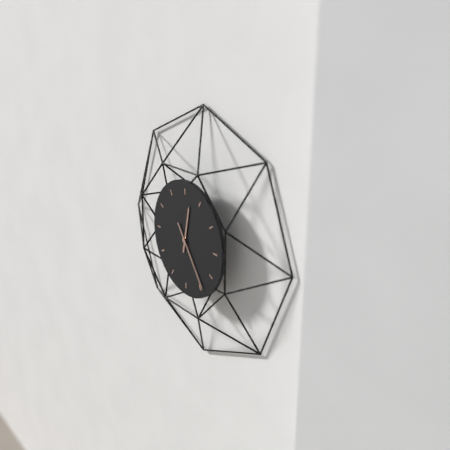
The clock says 12,24
